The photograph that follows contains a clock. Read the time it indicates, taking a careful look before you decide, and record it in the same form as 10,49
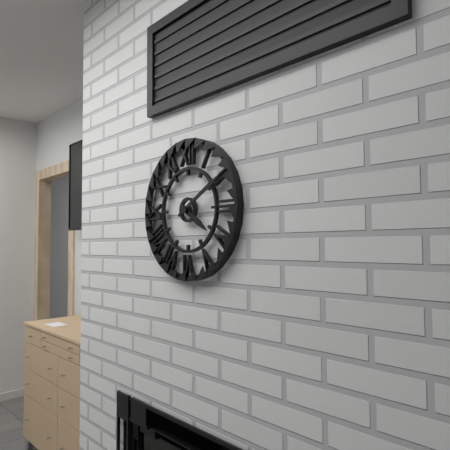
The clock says 4,10
